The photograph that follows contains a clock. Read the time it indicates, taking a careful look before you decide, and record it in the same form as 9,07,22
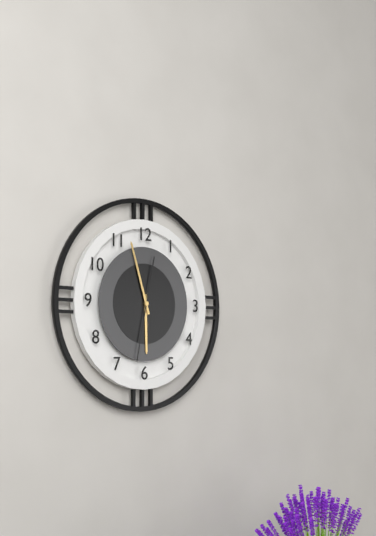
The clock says 5,57,32
